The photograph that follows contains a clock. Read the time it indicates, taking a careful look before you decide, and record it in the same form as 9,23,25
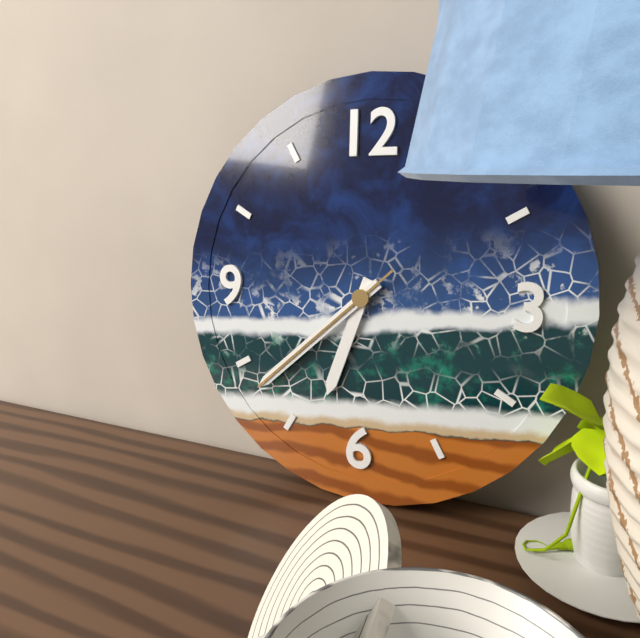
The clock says 6,38,38
